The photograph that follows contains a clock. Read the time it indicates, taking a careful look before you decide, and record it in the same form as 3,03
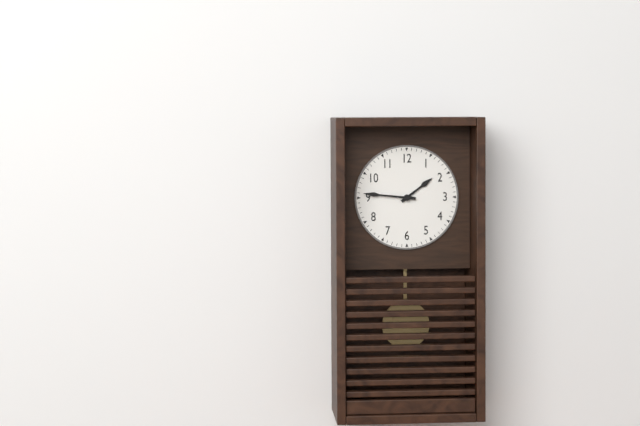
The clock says 1,46
